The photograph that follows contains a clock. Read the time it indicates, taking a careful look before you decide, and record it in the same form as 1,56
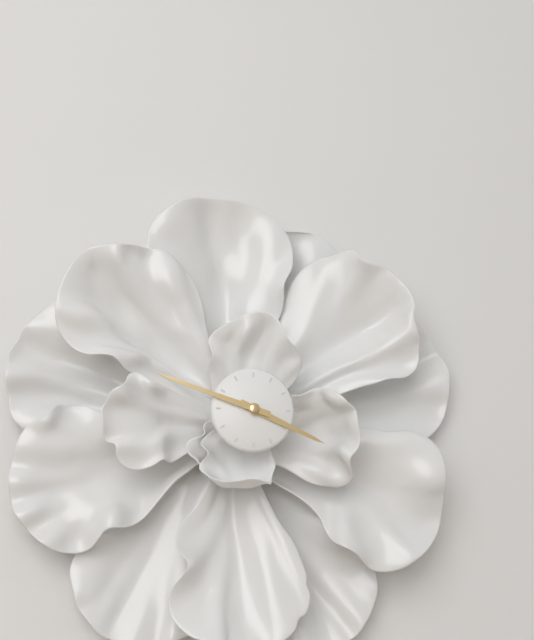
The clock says 3,48
